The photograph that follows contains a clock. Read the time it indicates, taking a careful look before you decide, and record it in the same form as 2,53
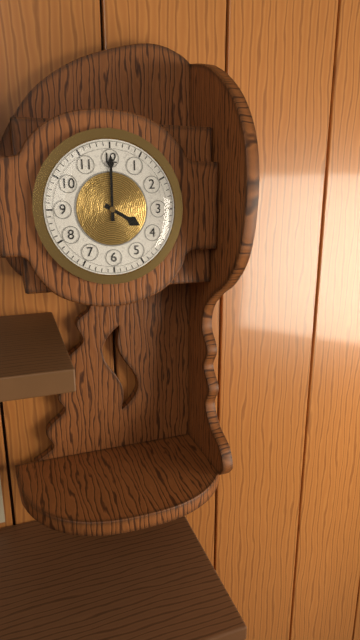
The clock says 4,00
